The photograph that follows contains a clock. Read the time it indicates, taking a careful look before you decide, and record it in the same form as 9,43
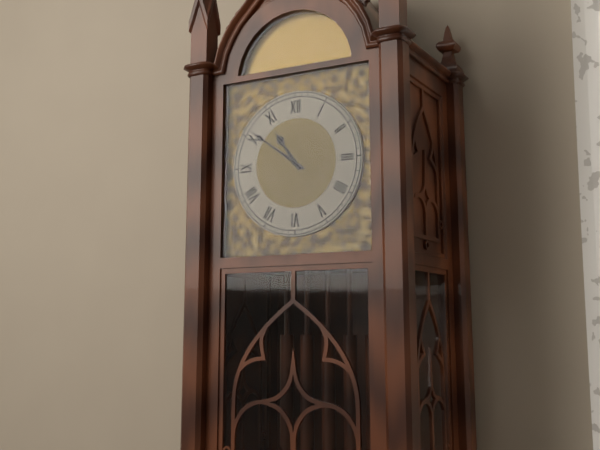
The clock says 10,51
